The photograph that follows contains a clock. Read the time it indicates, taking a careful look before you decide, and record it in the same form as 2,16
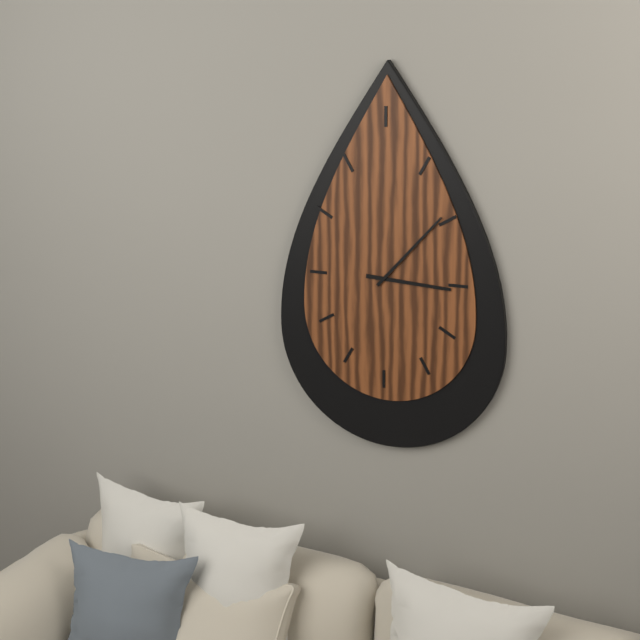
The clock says 3,07
